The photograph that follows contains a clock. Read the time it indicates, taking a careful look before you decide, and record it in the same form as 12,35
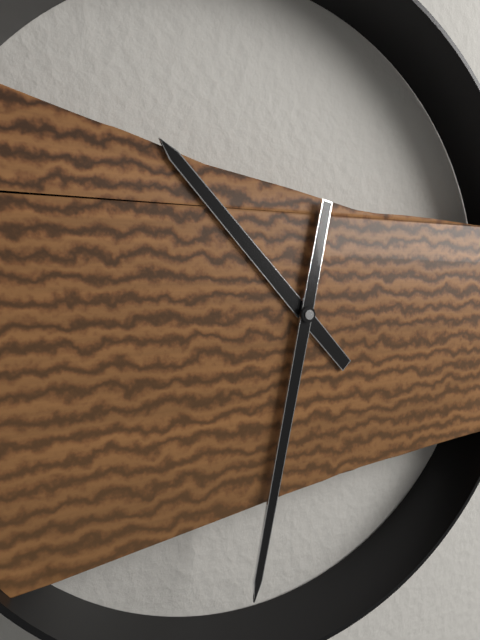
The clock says 10,32
